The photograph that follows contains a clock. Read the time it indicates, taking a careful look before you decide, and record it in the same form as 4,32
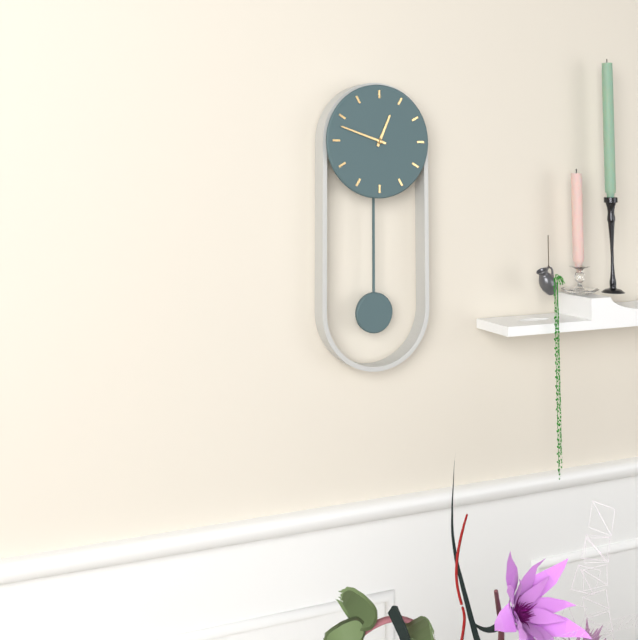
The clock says 12,48
